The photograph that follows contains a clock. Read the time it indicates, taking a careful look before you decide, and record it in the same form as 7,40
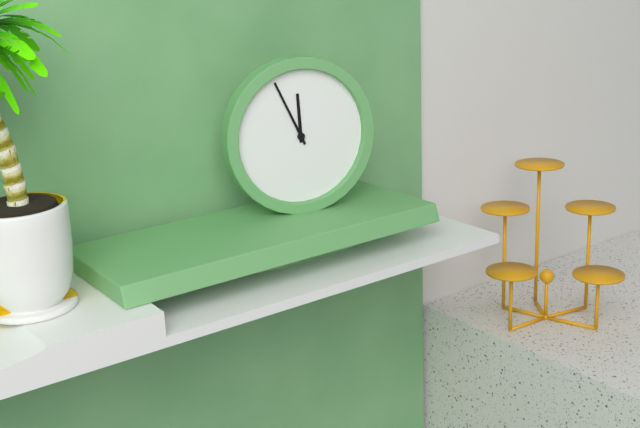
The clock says 11,56
